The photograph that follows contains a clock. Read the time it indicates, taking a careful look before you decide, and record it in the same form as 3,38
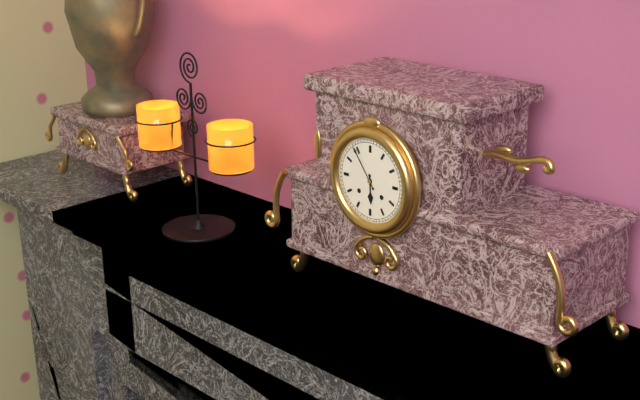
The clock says 5,54
